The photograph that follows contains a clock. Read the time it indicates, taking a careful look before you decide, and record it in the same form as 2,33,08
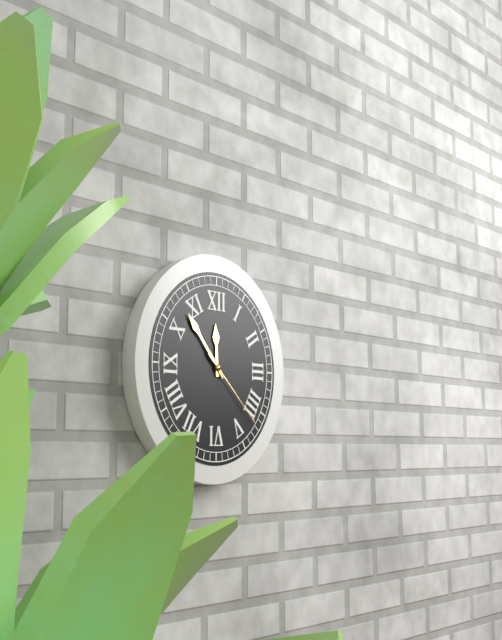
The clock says 11,53,22
